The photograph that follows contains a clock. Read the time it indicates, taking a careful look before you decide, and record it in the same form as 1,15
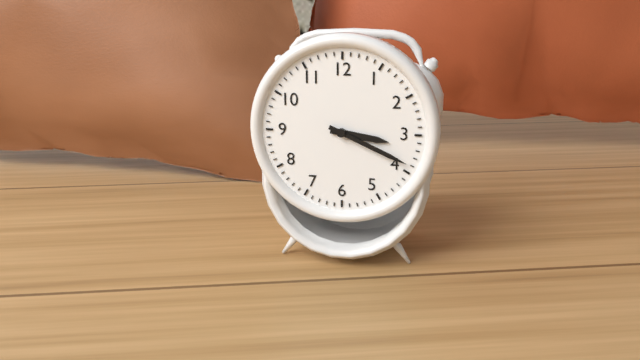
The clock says 3,19
